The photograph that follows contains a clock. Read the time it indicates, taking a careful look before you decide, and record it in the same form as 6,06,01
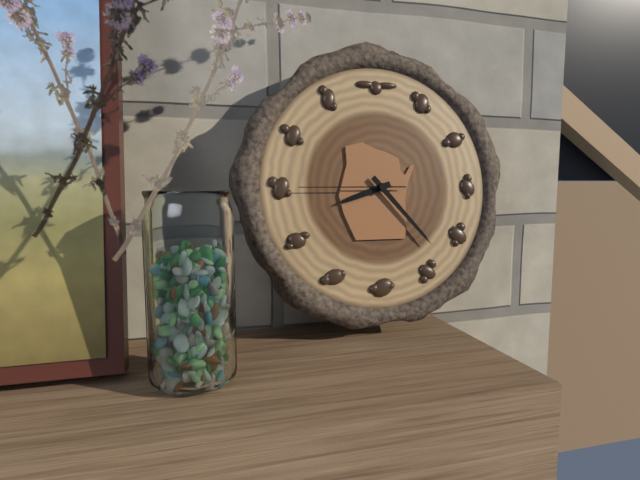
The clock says 8,23,45
